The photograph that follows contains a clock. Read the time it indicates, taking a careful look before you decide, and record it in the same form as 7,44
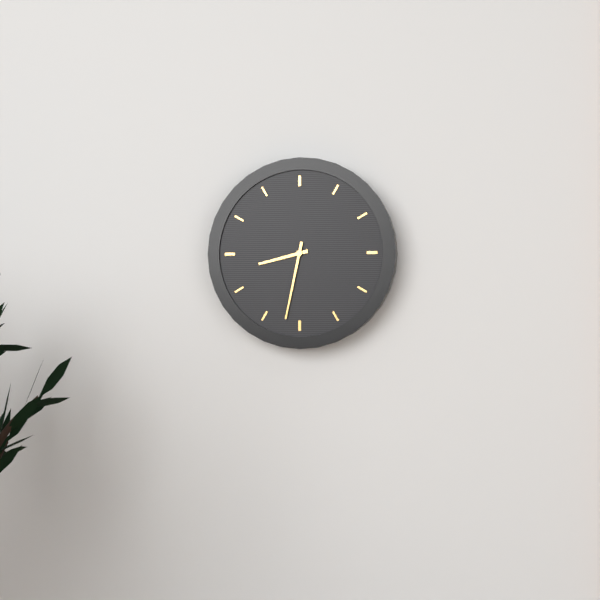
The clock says 8,32
